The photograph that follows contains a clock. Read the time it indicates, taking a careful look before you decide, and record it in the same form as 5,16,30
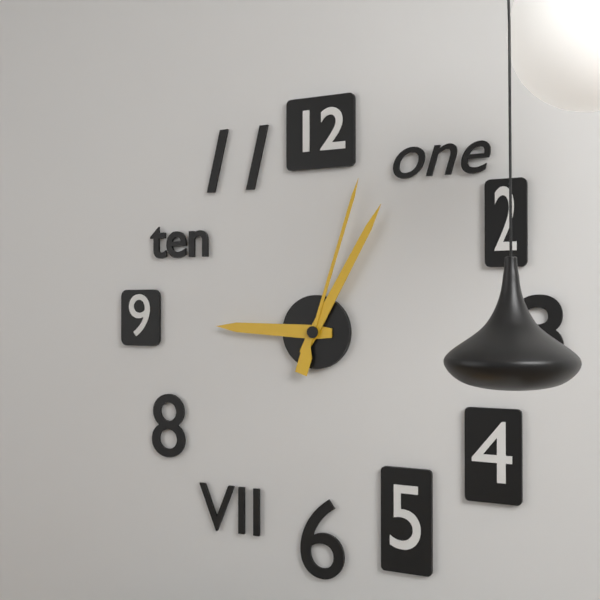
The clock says 9,05,03
